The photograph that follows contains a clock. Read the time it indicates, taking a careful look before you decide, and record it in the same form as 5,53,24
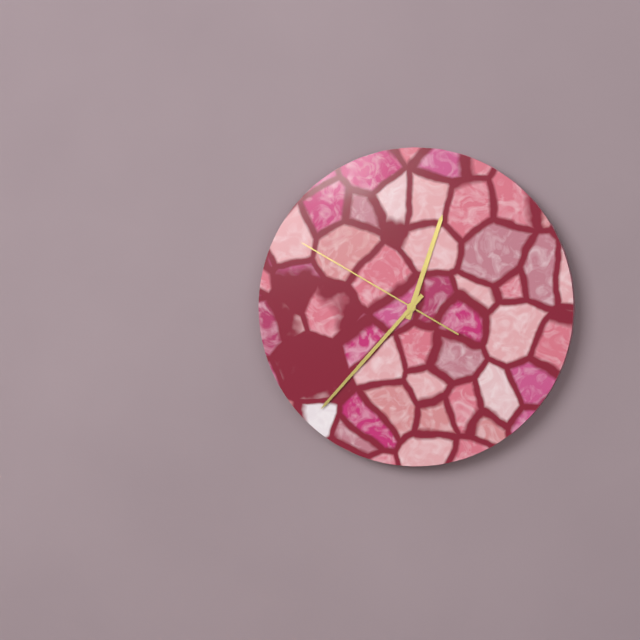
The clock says 12,37,50
